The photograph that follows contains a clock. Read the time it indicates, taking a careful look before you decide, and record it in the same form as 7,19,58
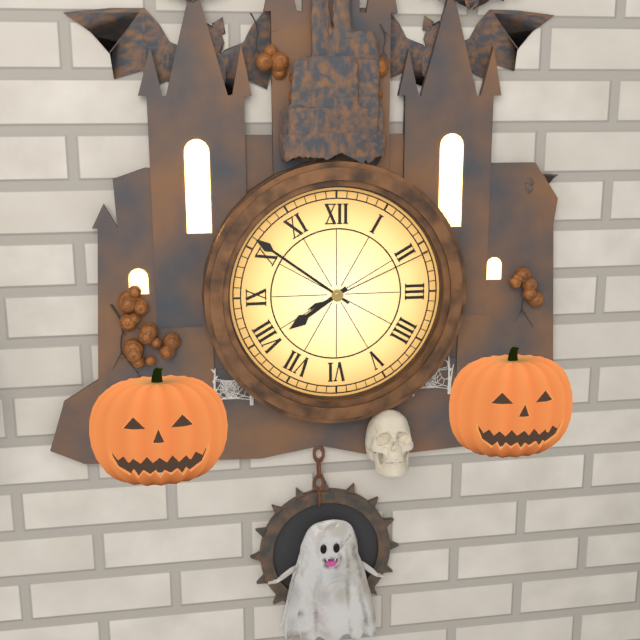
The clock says 7,51,11
